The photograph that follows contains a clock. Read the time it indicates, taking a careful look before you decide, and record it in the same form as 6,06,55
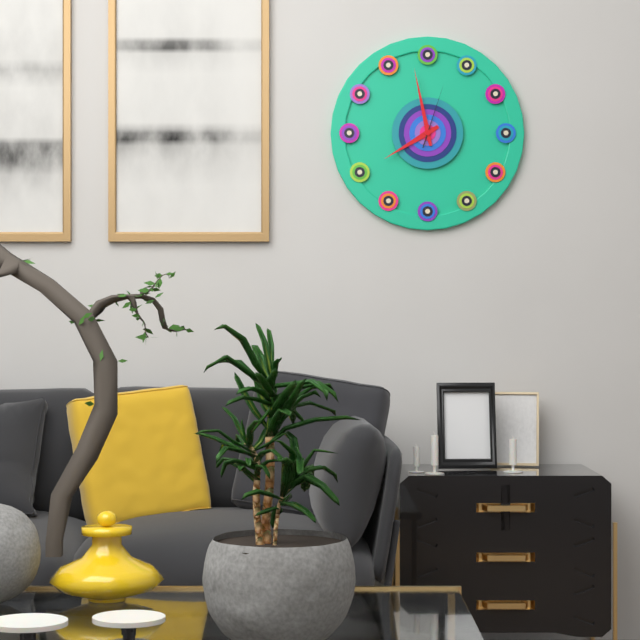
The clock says 7,58,03
